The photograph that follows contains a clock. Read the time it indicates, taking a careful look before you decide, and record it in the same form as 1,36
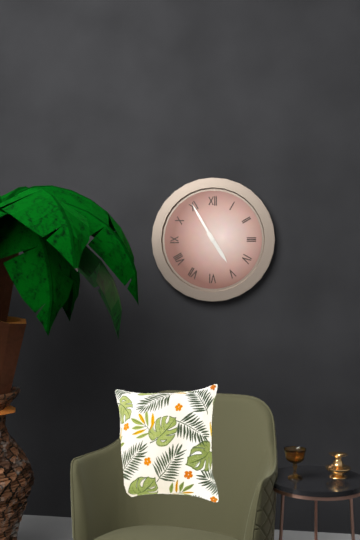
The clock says 4,55
